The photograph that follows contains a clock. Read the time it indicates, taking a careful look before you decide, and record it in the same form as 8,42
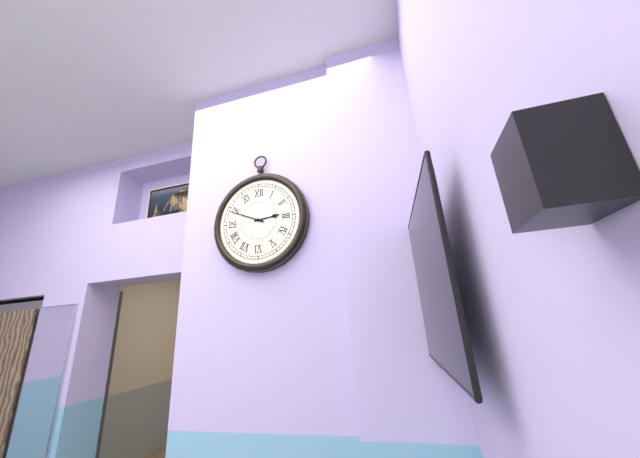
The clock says 2,49
